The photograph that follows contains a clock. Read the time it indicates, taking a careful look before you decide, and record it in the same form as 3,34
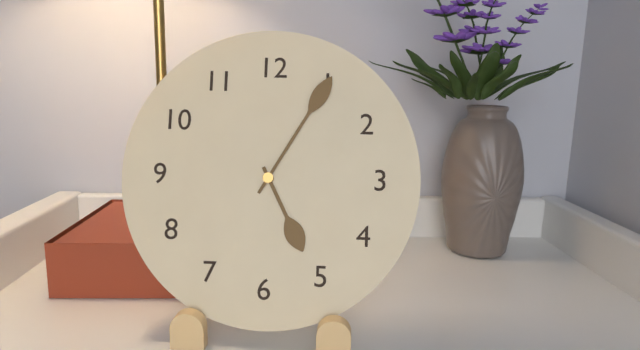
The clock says 5,05
